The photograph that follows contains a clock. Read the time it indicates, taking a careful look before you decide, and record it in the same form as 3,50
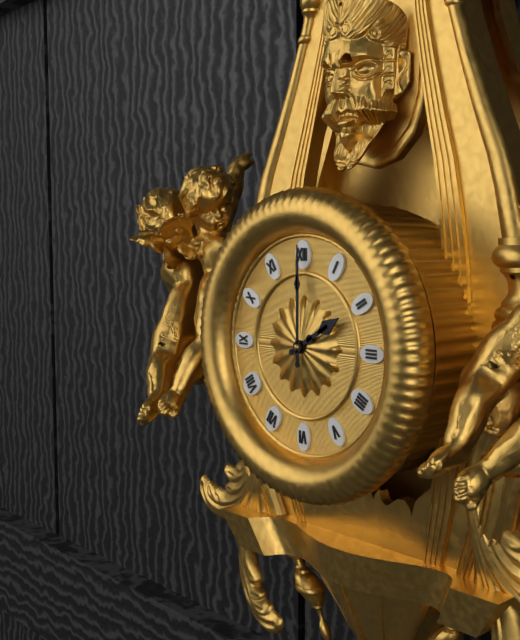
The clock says 2,00
